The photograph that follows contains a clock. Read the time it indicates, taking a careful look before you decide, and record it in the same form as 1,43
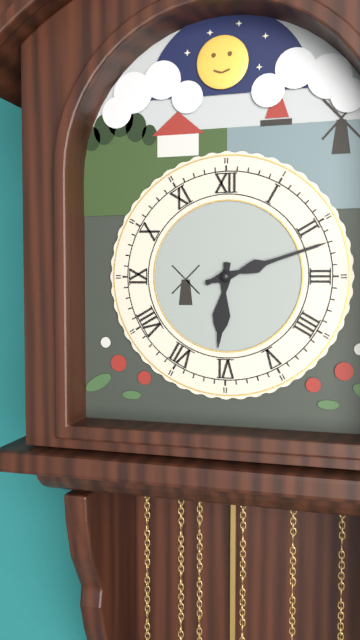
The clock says 6,12
